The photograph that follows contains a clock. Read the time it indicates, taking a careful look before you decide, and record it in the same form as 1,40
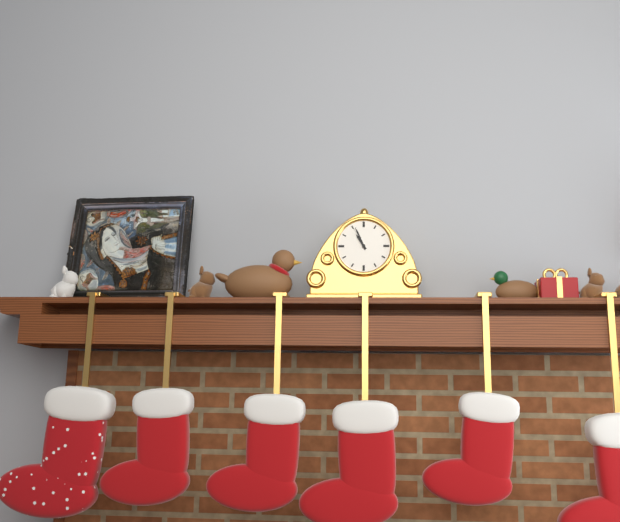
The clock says 10,56
